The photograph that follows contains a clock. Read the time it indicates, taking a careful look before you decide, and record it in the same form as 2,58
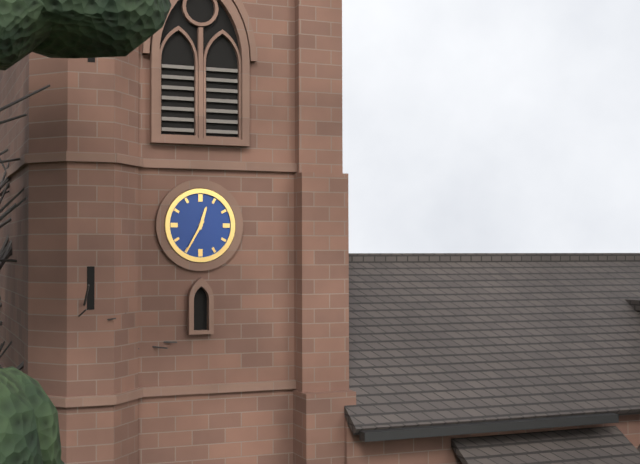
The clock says 12,35
